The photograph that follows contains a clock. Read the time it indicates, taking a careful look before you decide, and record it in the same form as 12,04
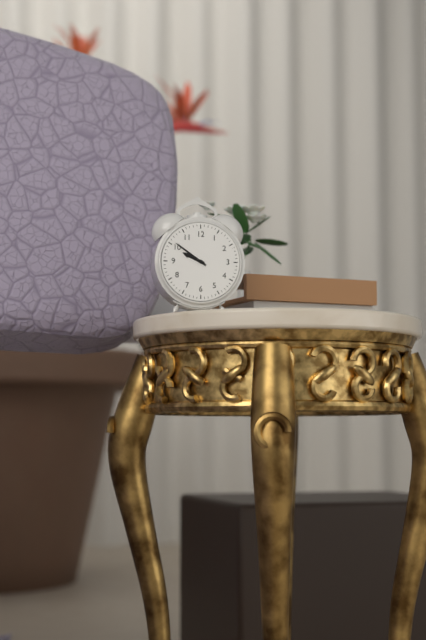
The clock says 9,51
